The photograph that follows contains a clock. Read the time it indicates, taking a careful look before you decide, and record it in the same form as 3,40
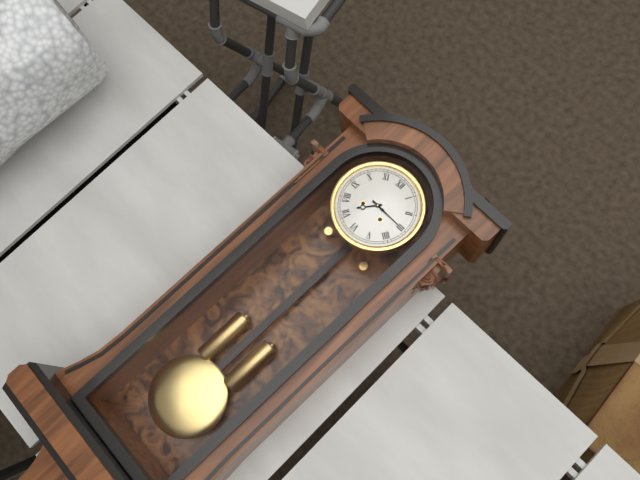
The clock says 7,15
